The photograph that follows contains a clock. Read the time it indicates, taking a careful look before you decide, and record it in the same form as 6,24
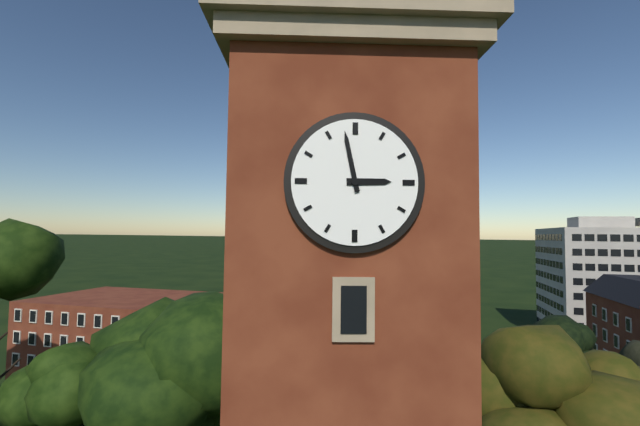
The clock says 2,58
